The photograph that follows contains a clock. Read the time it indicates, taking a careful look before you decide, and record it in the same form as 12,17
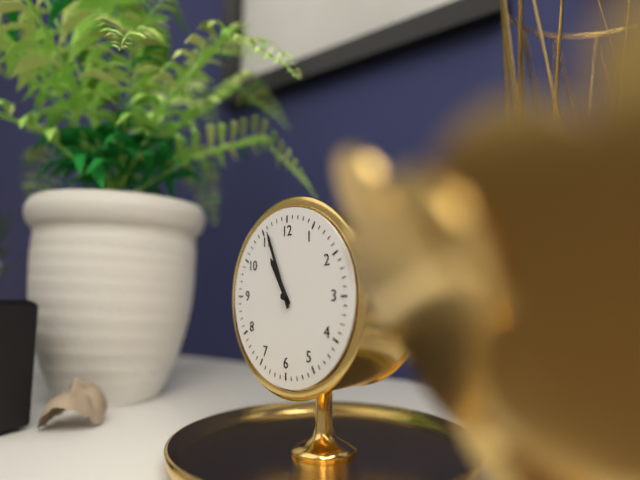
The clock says 10,56
